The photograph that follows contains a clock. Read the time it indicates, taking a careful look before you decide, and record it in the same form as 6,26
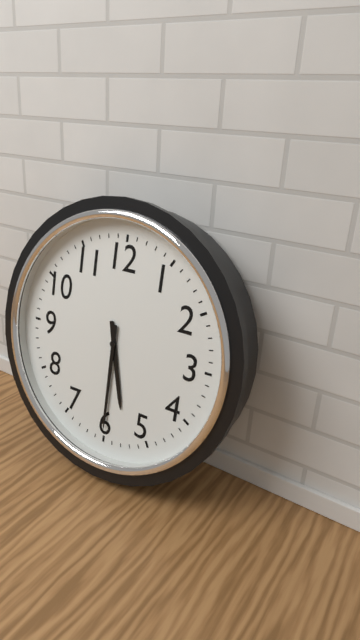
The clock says 5,30
